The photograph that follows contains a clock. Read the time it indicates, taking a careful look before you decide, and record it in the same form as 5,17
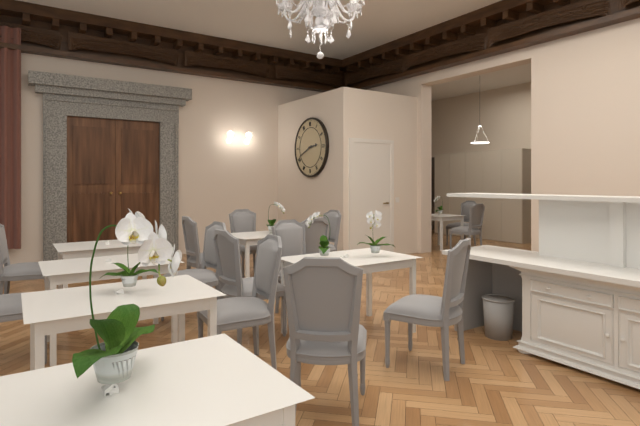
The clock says 2,41
